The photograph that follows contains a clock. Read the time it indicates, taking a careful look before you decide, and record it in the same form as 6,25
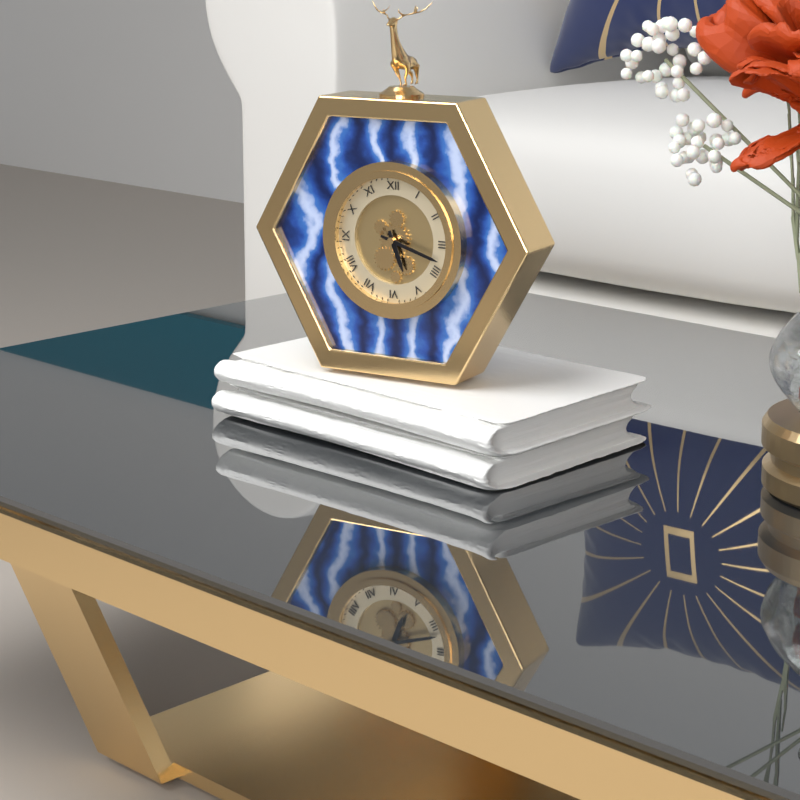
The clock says 5,18
